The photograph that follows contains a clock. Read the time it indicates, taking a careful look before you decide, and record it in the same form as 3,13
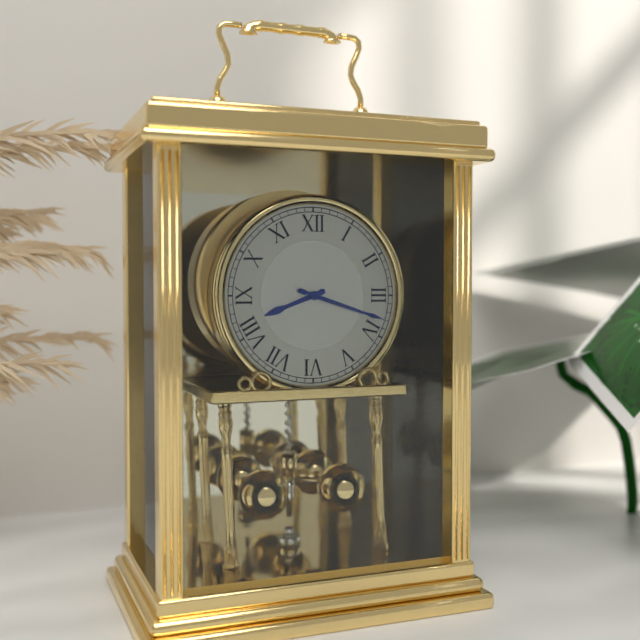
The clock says 8,18
